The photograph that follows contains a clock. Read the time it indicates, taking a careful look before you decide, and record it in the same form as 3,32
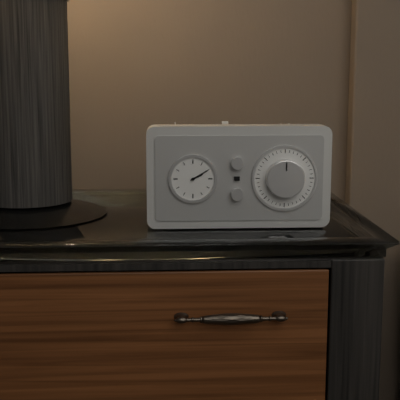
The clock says 2,10
